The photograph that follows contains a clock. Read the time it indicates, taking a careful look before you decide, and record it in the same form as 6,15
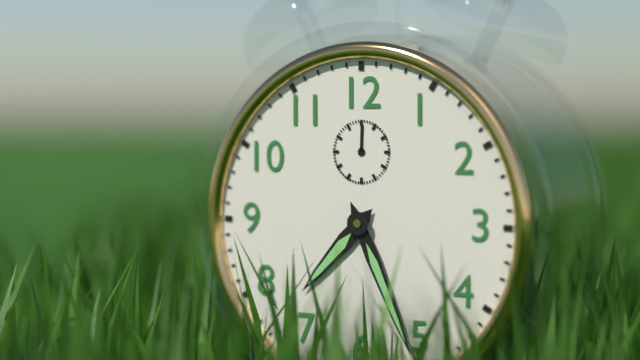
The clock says 7,26
